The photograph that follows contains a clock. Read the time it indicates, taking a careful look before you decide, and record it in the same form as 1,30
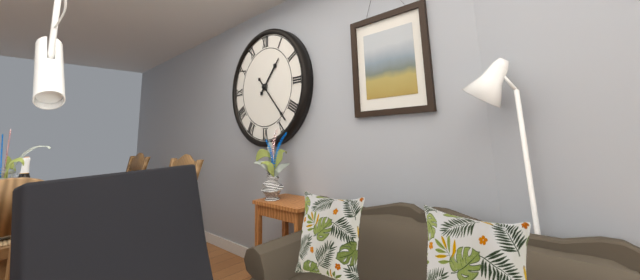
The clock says 1,23
